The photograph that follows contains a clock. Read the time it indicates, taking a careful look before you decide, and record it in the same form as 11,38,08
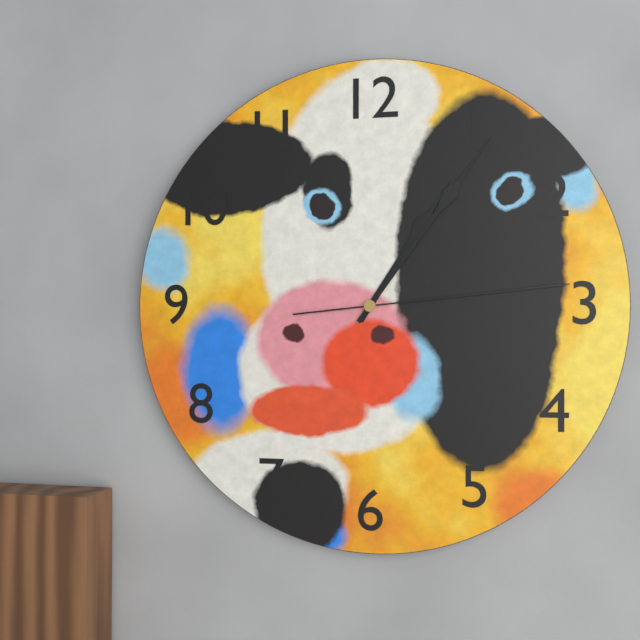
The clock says 1,06,14
